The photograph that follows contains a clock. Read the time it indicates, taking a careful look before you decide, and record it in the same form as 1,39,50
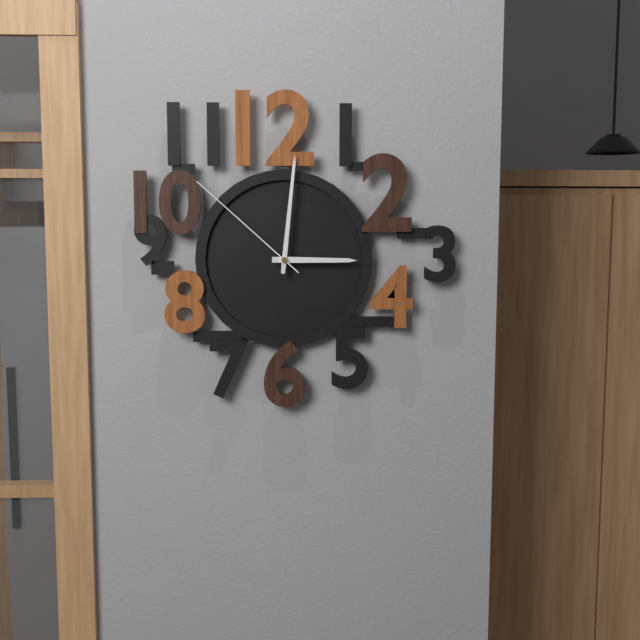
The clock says 3,01,52
